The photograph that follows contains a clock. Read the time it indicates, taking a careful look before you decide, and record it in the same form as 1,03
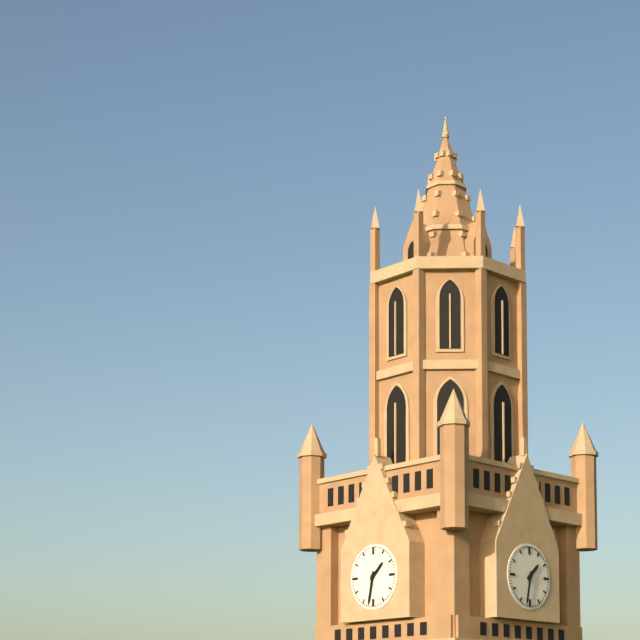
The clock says 1,32
